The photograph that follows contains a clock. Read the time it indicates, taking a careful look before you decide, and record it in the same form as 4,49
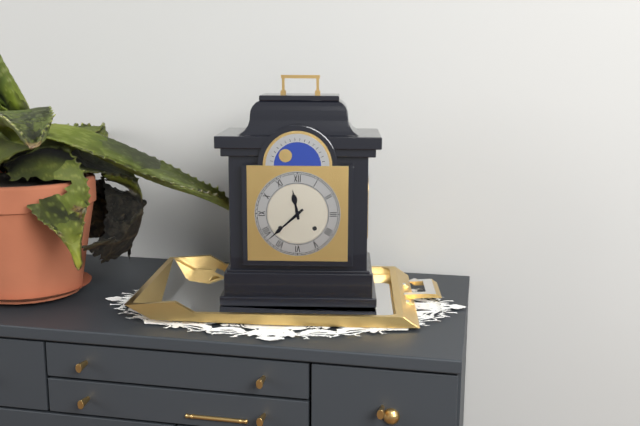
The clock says 11,38
